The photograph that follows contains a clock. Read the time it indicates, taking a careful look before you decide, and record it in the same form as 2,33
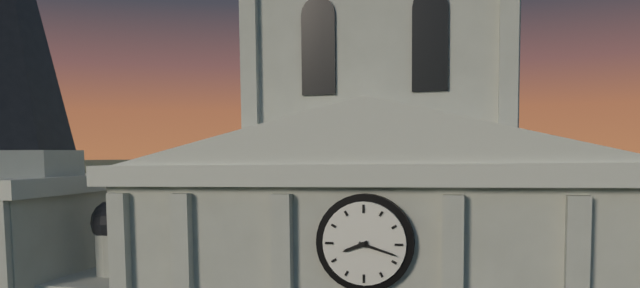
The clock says 8,18
